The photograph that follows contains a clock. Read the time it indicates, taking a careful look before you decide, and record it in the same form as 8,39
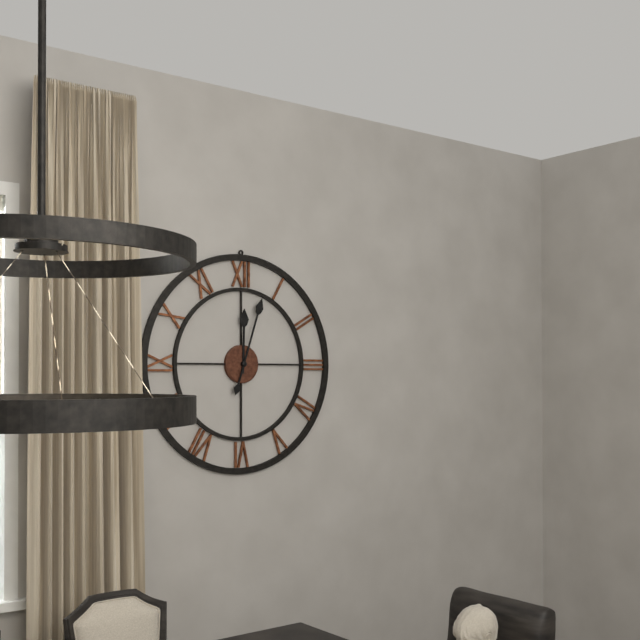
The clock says 12,03
